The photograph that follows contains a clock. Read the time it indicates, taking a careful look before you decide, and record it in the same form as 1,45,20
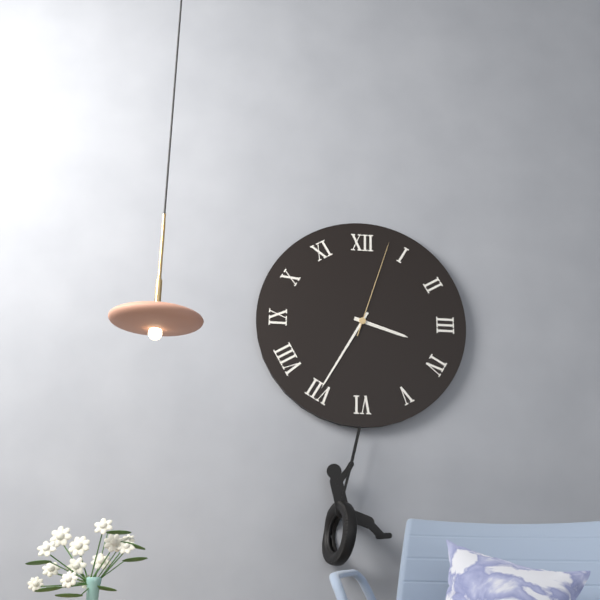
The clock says 3,35,03
